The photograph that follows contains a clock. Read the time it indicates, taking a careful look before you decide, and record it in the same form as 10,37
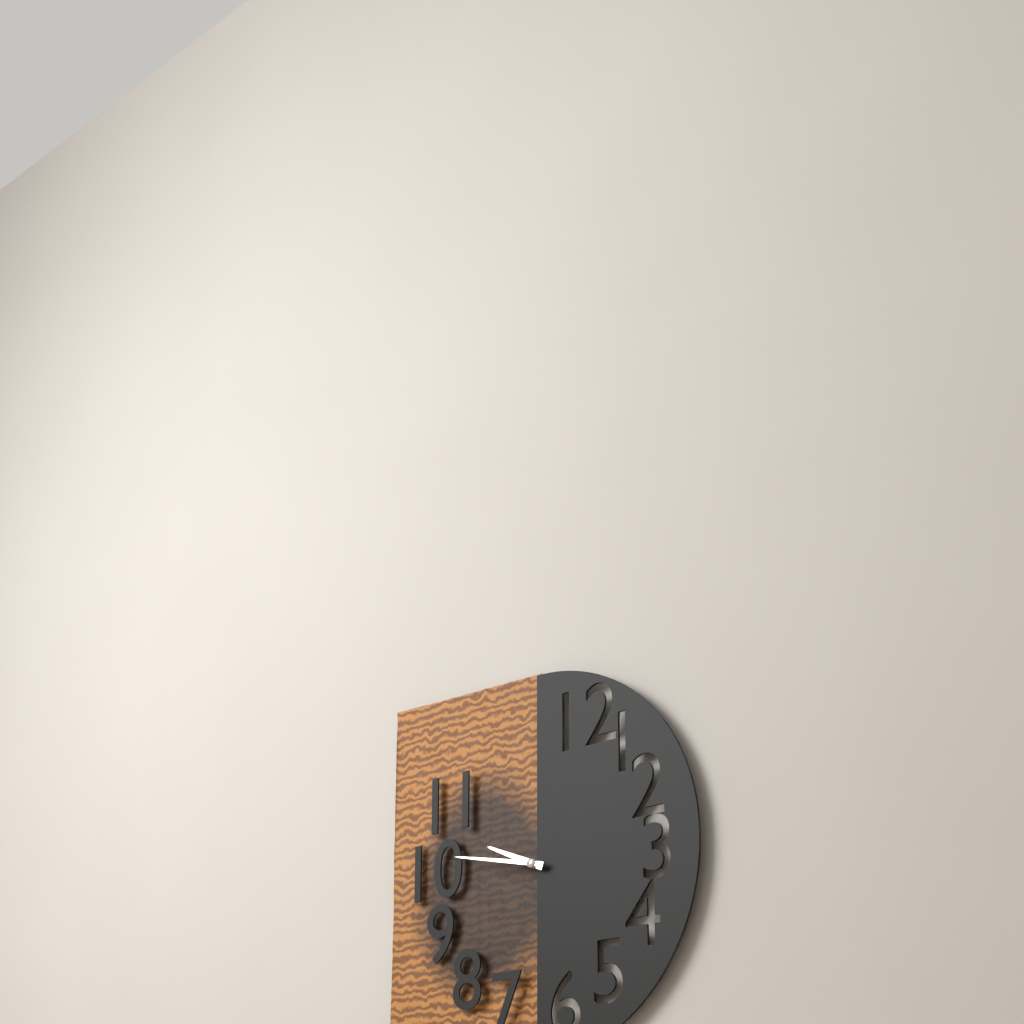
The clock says 9,47
